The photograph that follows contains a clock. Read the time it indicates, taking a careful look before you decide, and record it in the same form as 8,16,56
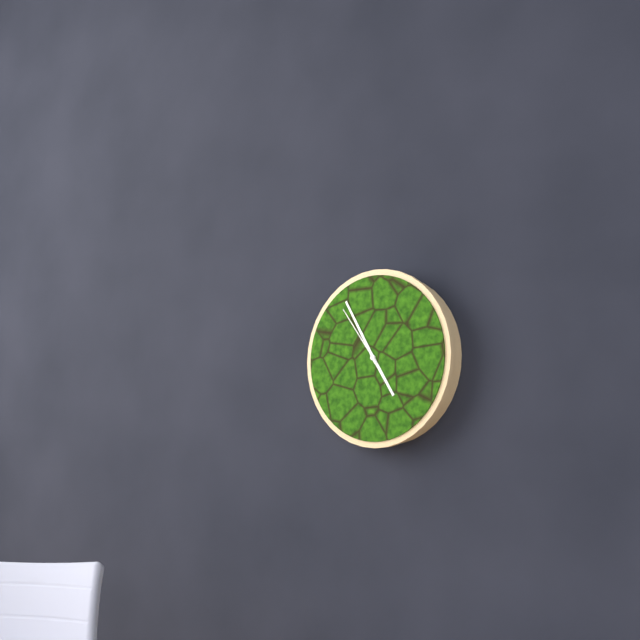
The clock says 4,55,54
